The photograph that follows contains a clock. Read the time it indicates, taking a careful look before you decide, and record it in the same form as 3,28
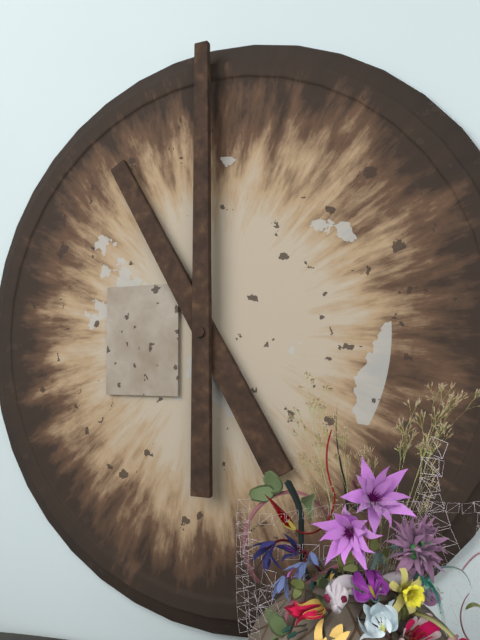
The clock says 11,00
